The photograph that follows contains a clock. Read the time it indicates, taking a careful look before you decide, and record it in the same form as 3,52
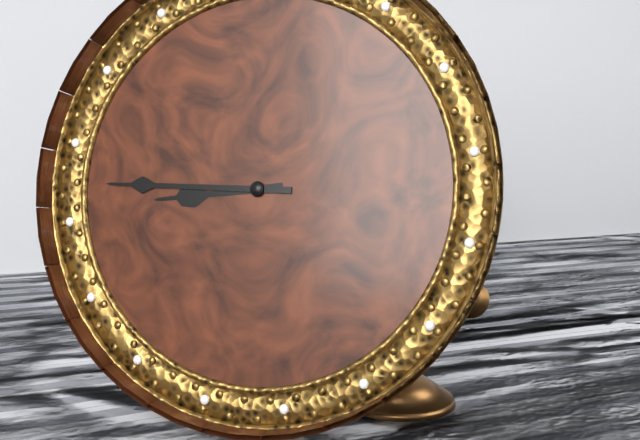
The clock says 8,45
